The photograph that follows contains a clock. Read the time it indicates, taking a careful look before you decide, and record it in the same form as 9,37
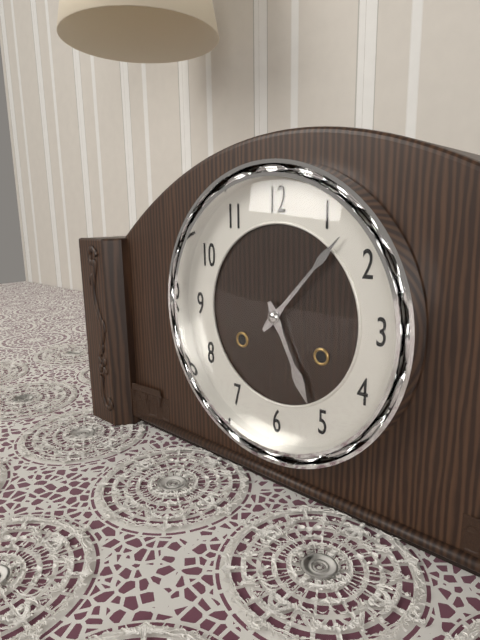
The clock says 5,07
